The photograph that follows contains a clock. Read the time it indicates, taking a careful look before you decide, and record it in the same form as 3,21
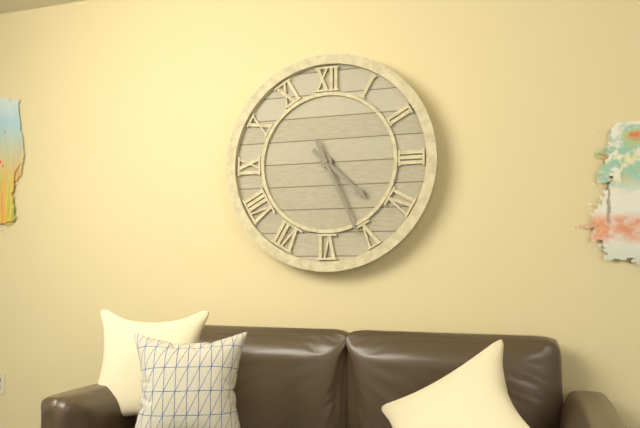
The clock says 4,26
